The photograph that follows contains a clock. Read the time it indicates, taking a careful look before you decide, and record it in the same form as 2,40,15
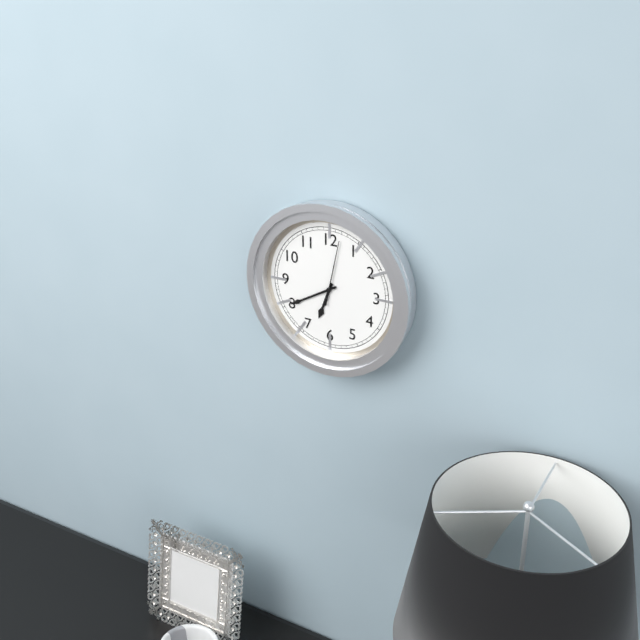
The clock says 6,40,02
